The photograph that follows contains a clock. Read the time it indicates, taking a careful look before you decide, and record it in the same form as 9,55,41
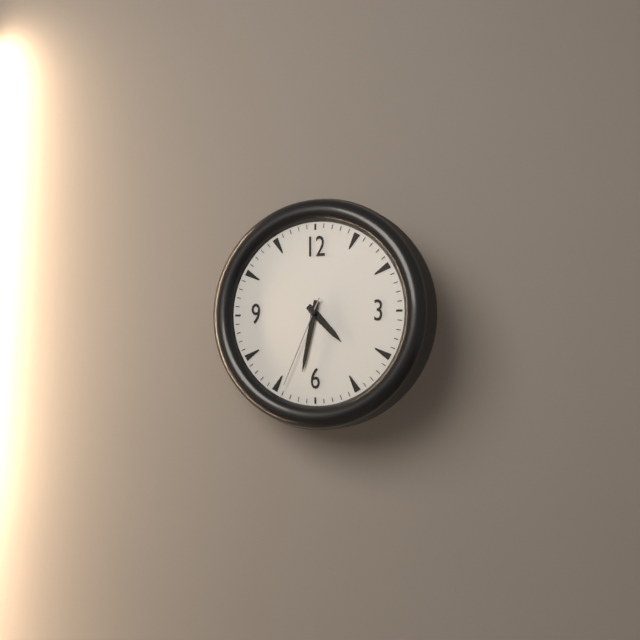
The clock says 4,32,34
